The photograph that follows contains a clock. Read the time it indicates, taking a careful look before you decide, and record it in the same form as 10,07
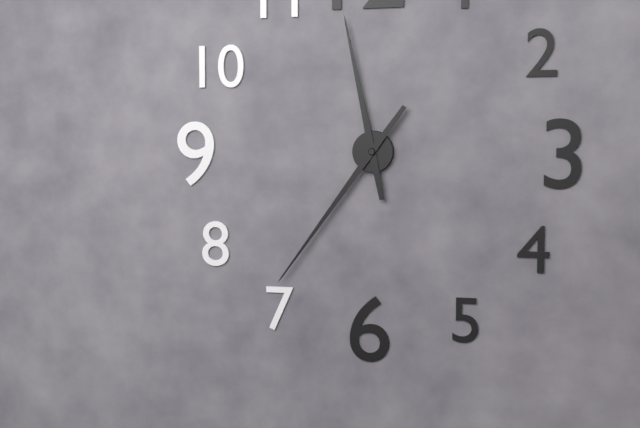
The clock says 11,36
